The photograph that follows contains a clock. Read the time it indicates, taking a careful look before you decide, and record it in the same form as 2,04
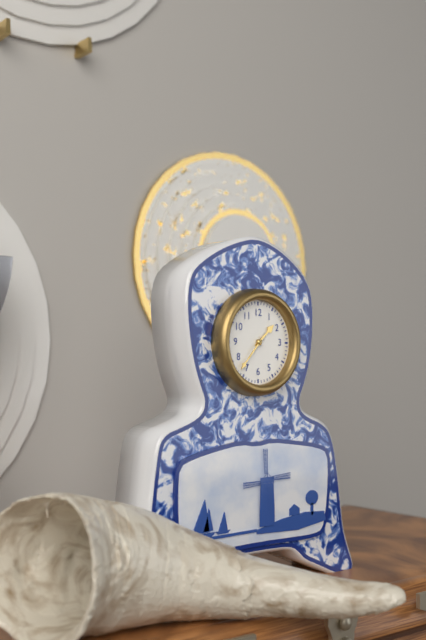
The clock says 1,37
